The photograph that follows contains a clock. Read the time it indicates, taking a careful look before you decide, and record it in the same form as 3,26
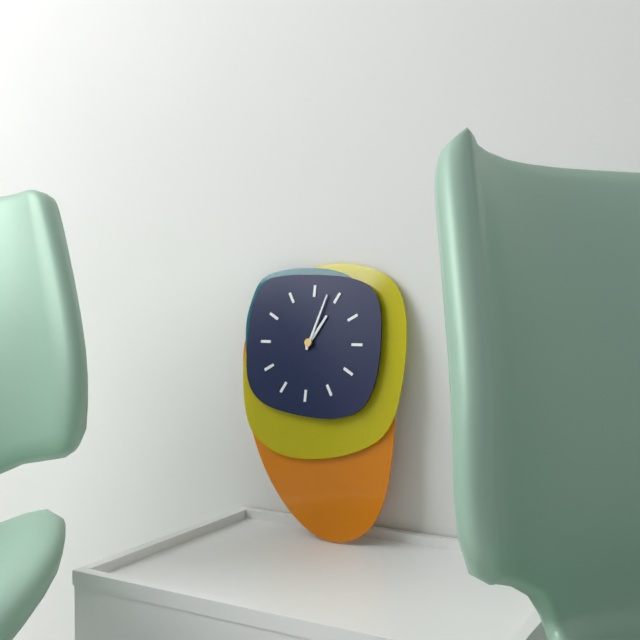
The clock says 1,03
